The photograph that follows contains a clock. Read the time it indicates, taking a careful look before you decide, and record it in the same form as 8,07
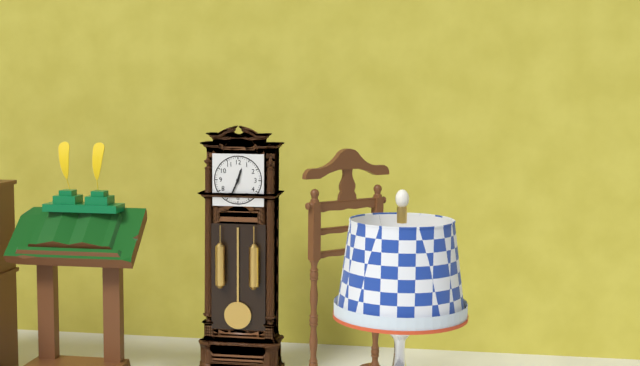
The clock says 12,34
